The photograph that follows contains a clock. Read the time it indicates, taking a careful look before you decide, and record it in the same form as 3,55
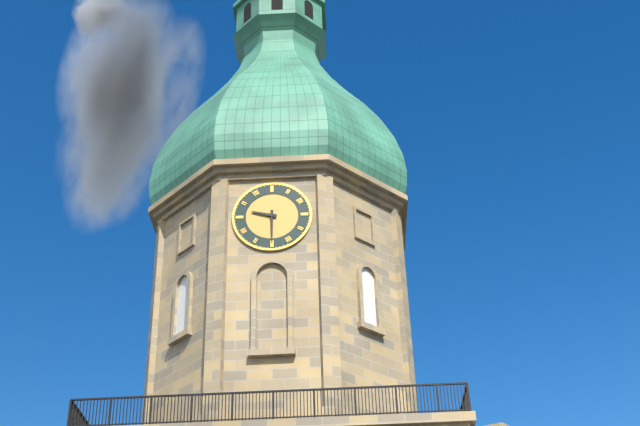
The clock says 9,30
